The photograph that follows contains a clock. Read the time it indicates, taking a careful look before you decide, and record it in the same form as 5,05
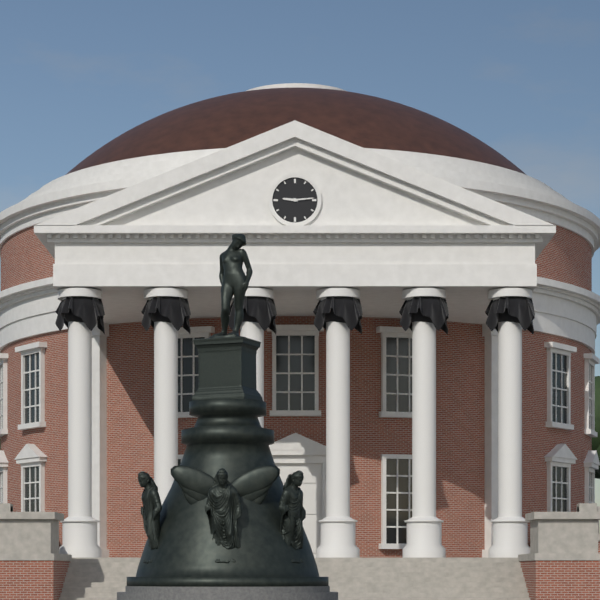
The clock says 9,14
